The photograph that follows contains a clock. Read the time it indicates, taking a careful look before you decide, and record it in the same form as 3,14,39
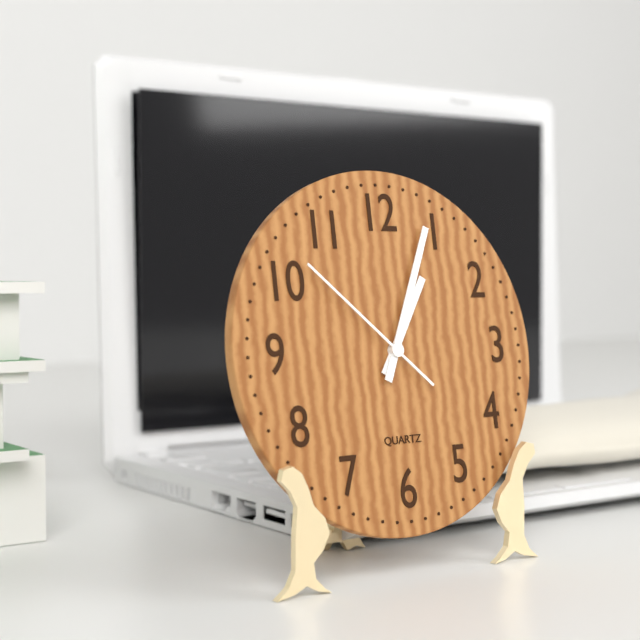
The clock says 1,04,52
